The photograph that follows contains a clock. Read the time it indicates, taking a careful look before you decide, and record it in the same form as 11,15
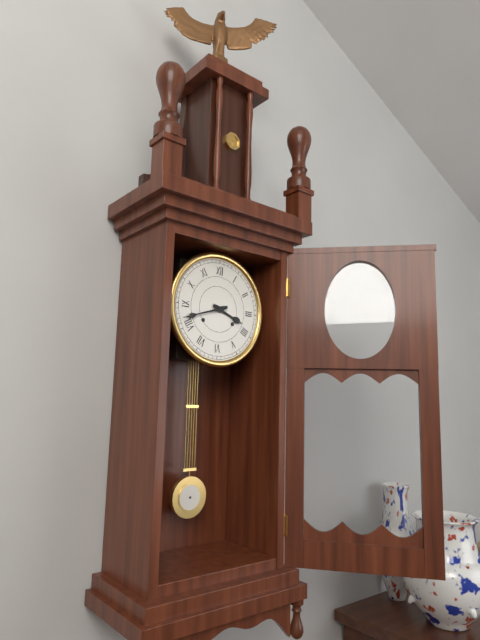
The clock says 3,42
